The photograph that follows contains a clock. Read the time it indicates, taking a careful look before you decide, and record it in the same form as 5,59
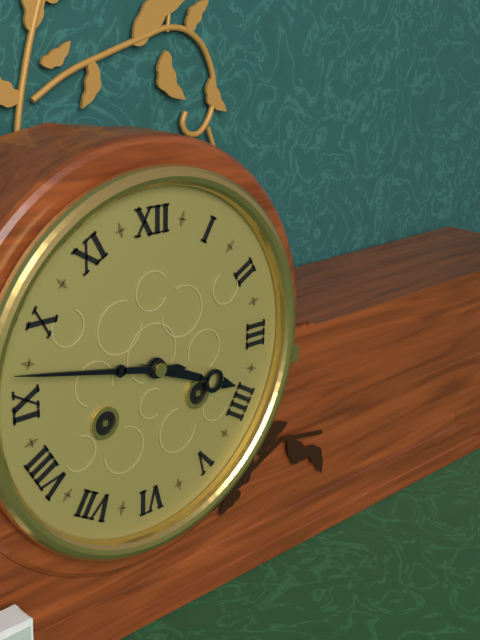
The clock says 3,47
